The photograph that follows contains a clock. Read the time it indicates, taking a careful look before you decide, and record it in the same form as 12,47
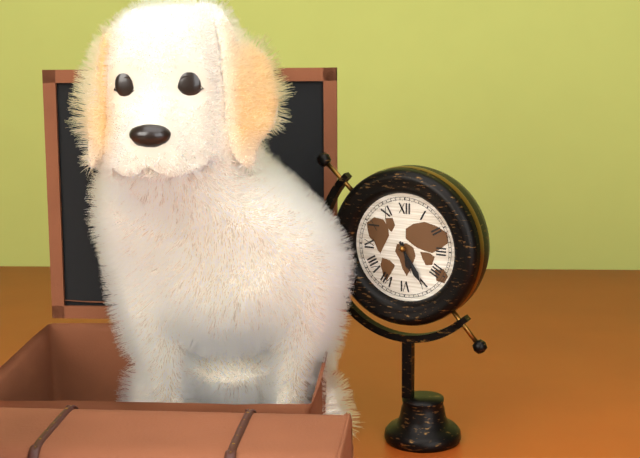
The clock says 5,25
